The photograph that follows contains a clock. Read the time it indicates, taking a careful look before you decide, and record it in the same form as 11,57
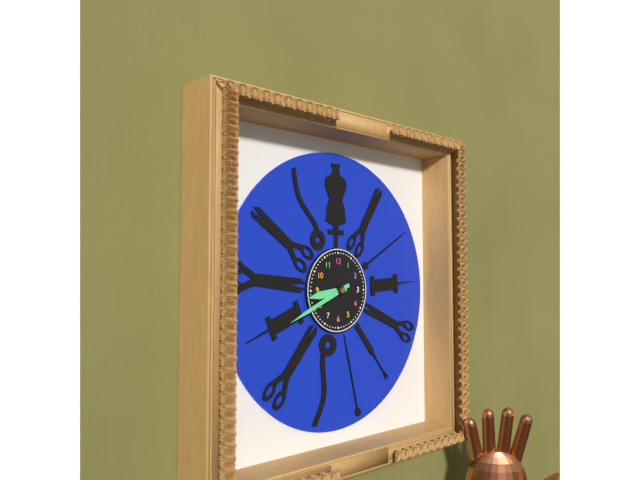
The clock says 8,41
